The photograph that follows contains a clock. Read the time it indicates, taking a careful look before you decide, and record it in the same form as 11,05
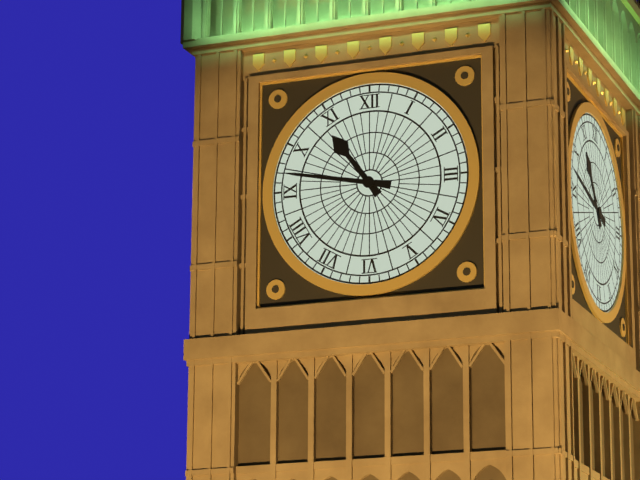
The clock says 10,47
